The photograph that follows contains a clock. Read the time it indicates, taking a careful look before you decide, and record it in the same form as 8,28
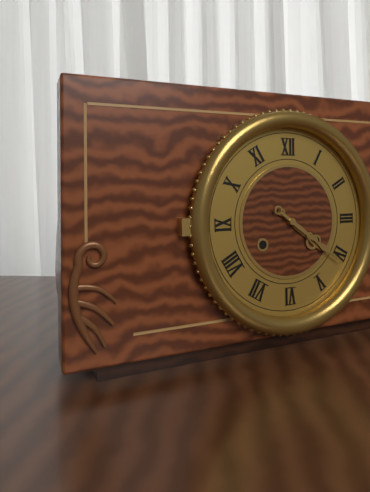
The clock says 4,21
